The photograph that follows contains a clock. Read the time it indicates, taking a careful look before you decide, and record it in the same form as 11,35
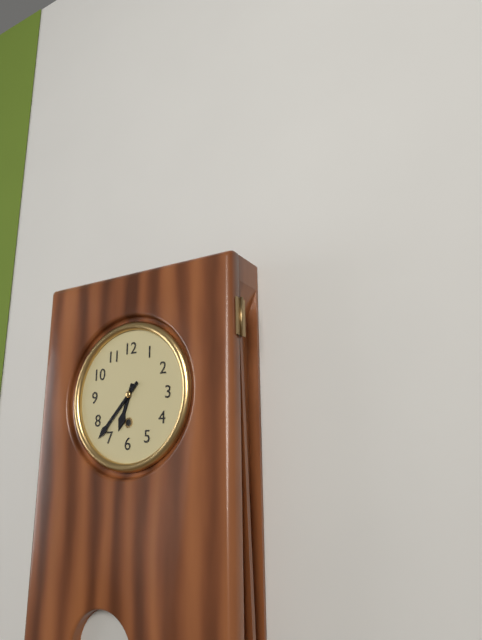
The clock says 6,37
